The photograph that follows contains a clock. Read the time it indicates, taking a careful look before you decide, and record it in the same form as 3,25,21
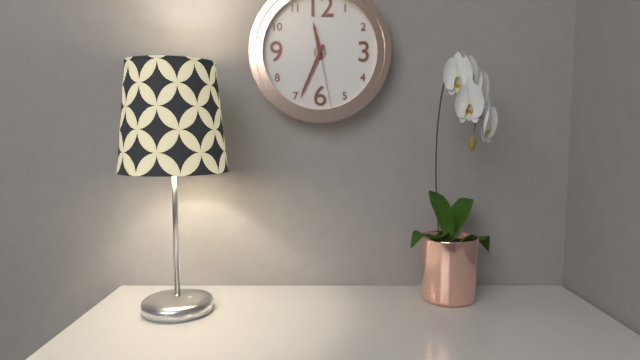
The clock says 11,34,28
